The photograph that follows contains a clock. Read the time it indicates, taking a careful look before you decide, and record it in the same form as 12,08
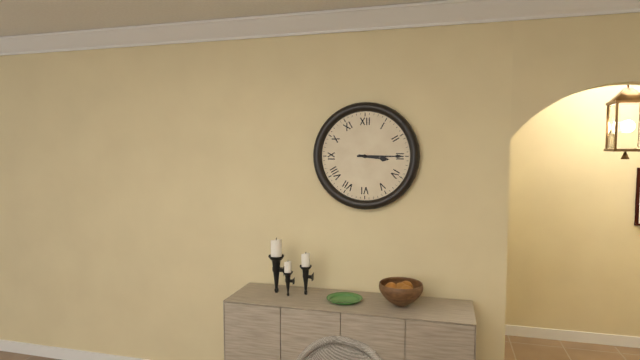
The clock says 3,15
